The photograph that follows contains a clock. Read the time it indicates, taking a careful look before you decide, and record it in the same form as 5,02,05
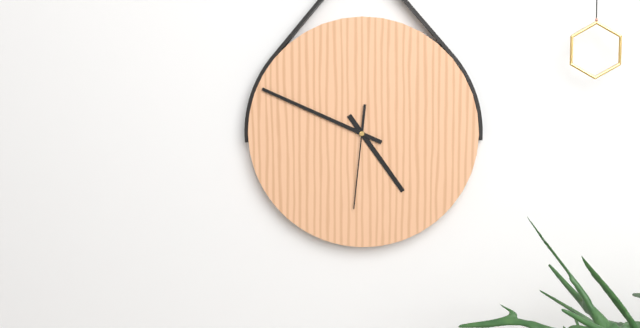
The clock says 4,49,31
